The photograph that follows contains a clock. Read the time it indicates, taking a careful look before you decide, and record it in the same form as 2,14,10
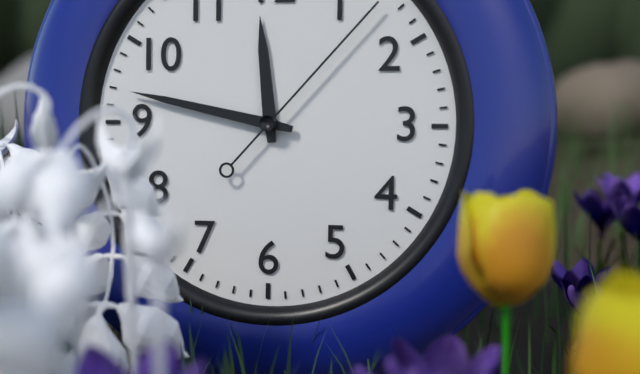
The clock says 11,47,07
